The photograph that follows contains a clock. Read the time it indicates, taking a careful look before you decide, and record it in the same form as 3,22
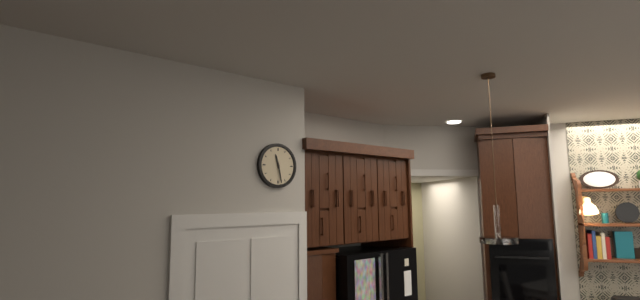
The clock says 11,28
